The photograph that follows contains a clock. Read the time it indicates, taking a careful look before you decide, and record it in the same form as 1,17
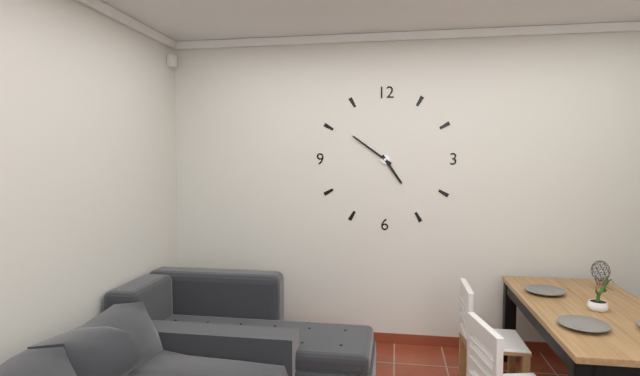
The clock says 4,51
